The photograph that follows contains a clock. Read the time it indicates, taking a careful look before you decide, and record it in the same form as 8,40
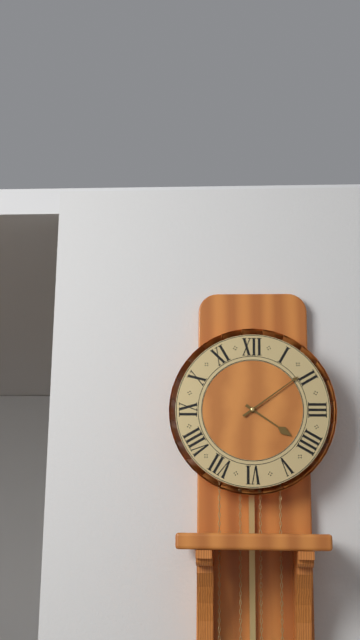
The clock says 4,09
